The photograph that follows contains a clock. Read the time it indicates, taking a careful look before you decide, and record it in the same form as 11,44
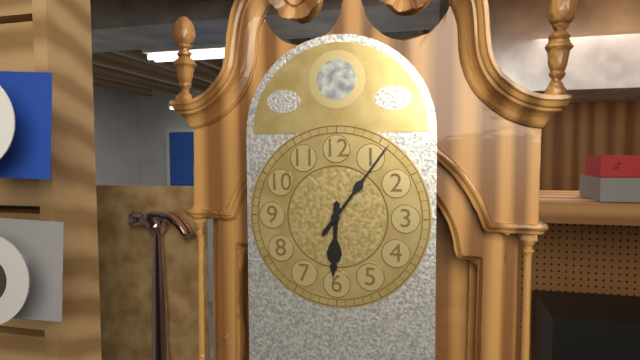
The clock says 6,06
